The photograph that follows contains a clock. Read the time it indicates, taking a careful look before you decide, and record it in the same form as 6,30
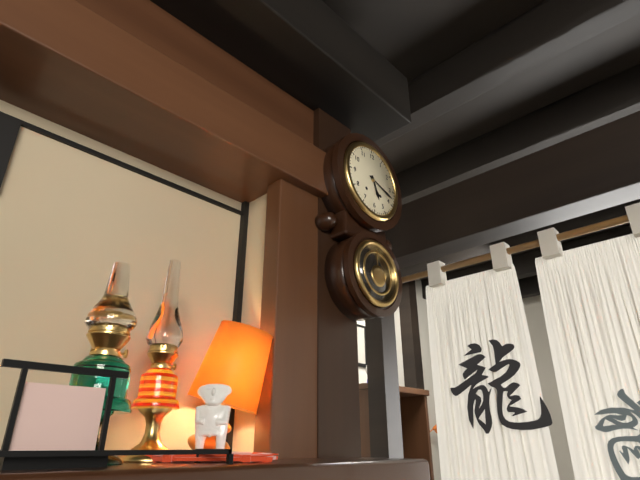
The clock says 5,18
